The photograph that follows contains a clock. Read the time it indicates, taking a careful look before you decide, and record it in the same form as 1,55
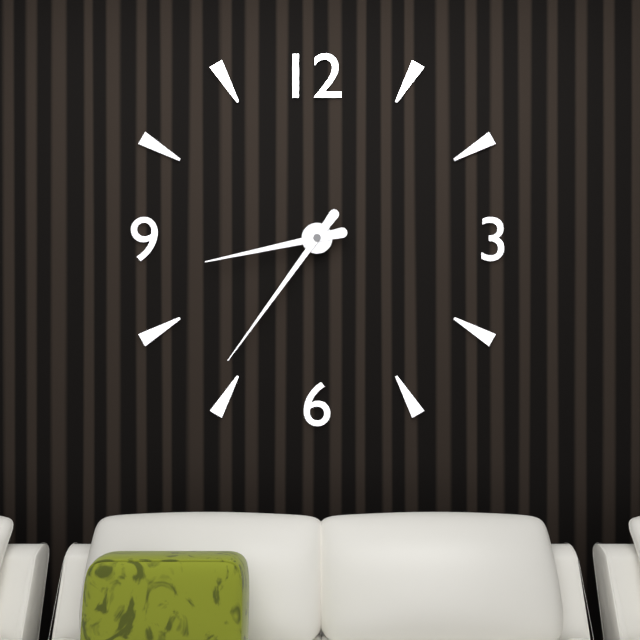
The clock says 8,36
